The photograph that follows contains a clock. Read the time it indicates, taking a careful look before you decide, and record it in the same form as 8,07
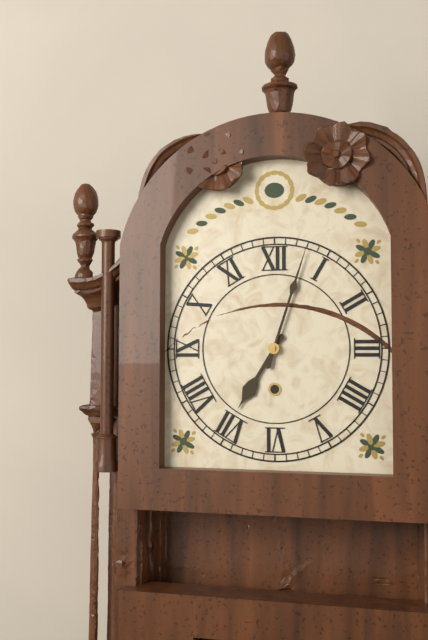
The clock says 7,03
